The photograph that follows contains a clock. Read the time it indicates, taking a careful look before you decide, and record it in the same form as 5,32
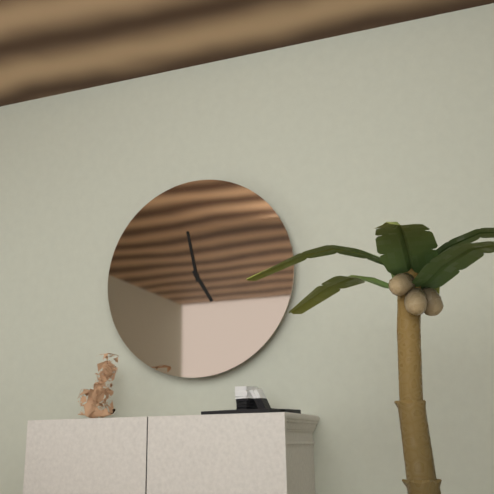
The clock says 4,58
